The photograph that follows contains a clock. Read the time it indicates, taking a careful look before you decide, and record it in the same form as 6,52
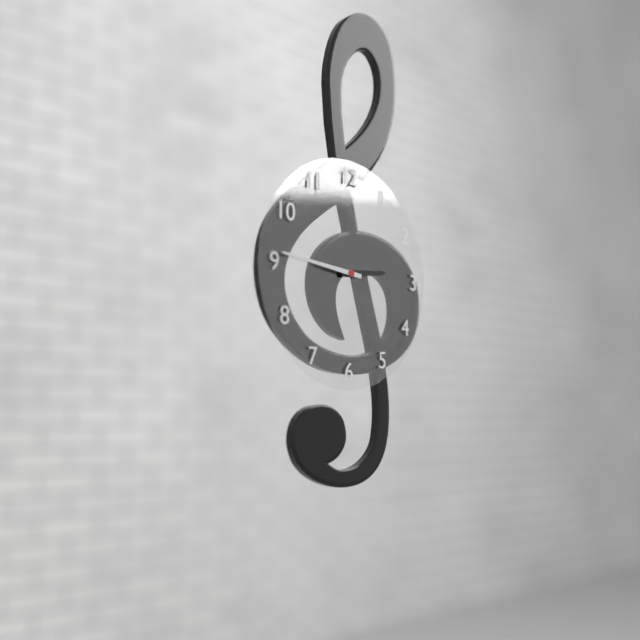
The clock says 2,46
